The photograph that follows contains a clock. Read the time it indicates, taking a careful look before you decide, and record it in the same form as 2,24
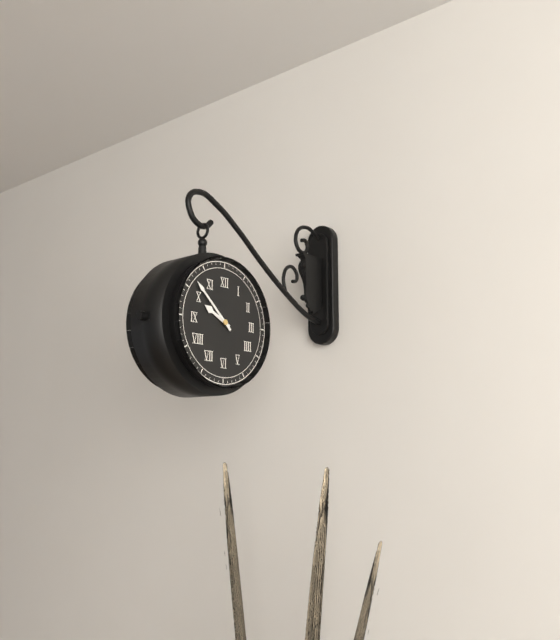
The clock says 9,52
